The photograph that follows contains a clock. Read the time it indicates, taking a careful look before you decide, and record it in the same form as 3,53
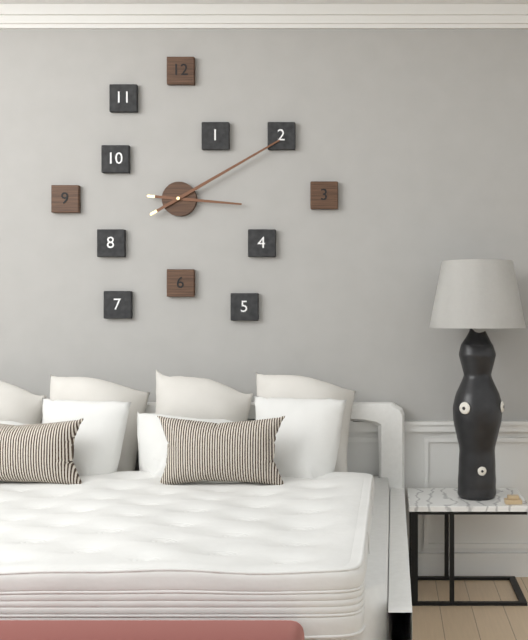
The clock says 3,10
